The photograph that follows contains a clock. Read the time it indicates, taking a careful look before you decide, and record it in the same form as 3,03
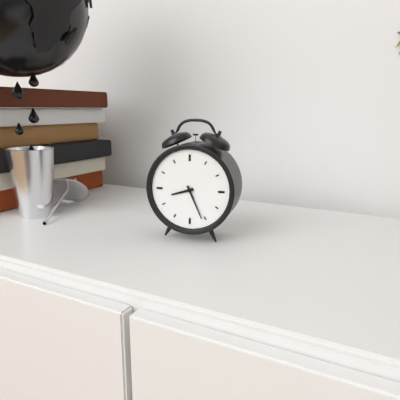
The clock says 8,26
